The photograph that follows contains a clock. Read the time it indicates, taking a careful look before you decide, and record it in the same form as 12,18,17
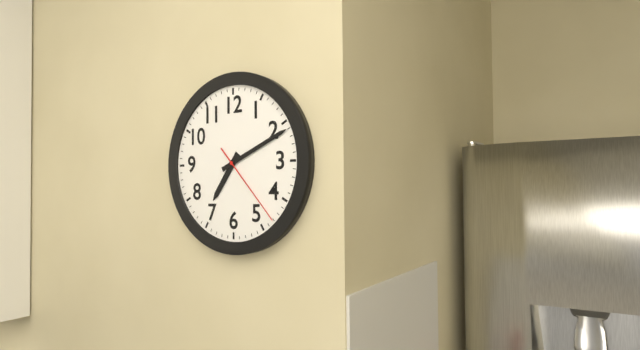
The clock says 7,11,23
